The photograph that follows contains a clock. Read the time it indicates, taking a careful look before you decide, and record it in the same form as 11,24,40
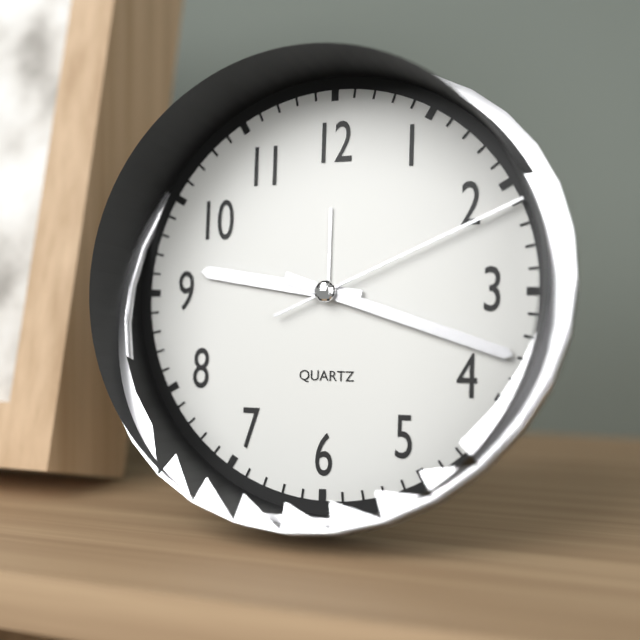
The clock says 9,18,11
